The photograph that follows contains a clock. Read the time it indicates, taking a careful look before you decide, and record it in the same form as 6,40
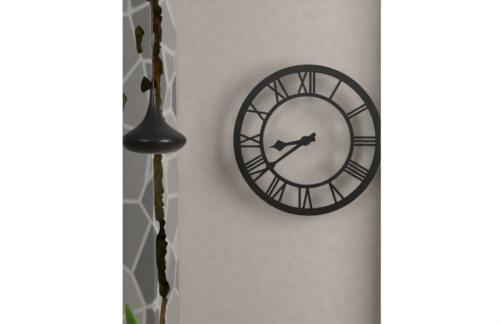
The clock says 8,39
